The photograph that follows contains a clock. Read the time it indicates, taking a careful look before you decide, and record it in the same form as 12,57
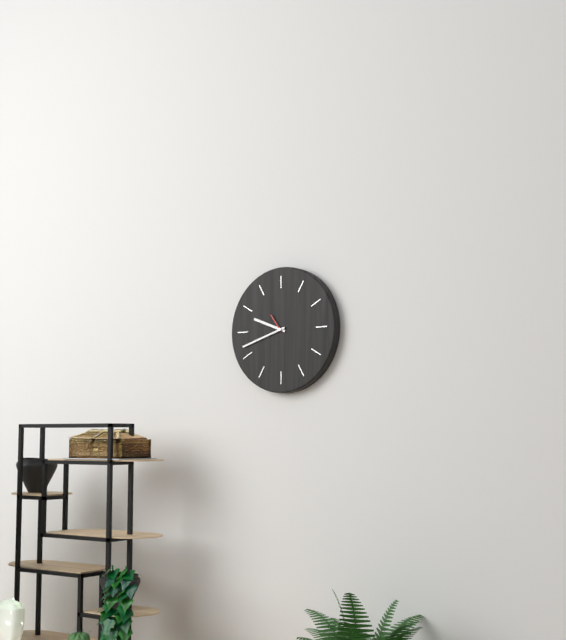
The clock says 9,42
